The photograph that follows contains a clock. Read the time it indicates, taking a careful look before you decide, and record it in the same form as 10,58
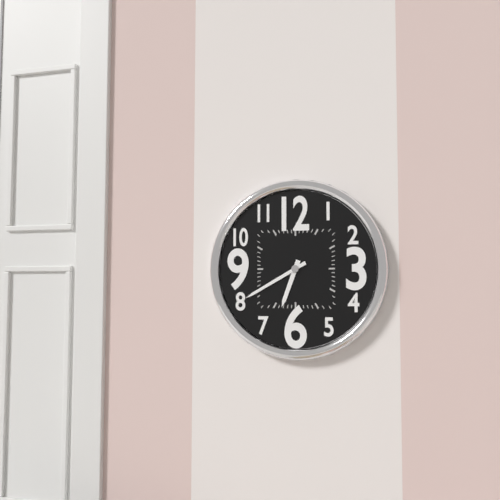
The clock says 6,40
